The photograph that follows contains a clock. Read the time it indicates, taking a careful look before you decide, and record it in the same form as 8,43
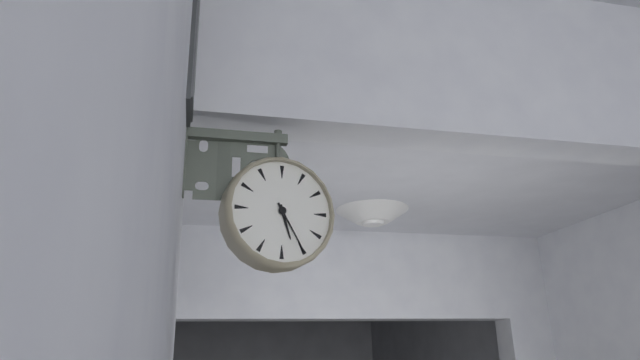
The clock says 5,25
